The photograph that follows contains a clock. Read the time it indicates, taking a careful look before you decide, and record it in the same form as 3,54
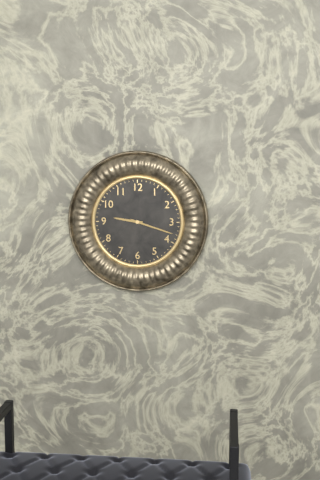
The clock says 9,18
